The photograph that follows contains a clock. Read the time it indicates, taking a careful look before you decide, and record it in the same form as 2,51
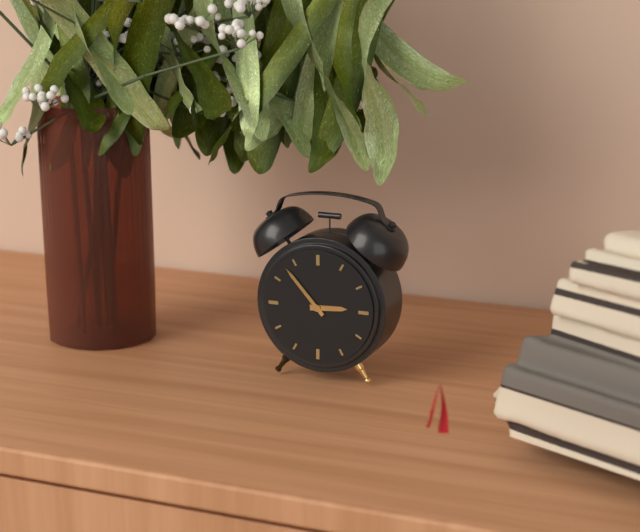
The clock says 2,53
